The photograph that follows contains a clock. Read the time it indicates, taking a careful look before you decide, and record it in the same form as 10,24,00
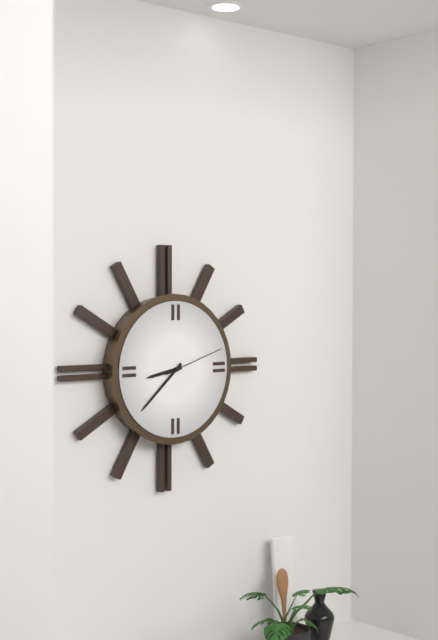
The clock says 8,38,12
